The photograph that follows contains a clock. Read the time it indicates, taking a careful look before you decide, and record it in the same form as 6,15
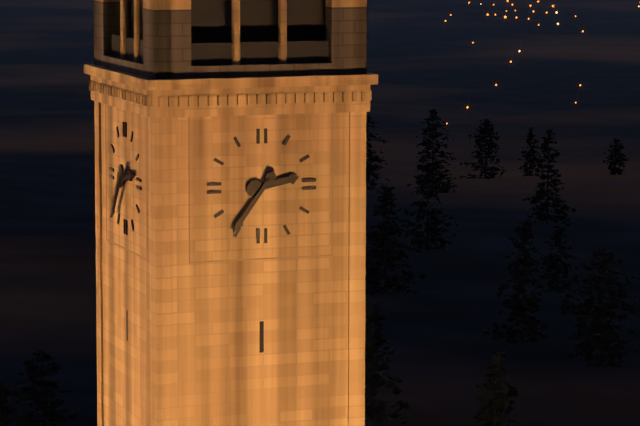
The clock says 2,36
